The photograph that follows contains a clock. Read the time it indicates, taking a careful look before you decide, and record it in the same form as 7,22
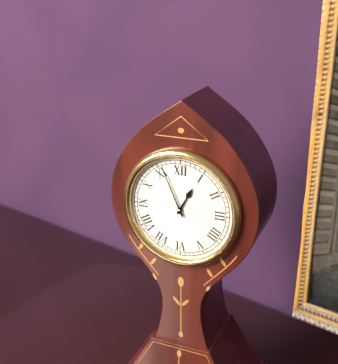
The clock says 12,56
